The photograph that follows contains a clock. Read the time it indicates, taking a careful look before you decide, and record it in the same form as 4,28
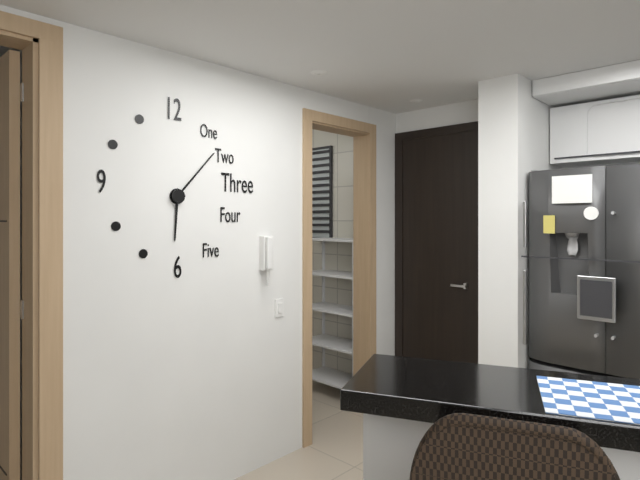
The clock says 6,07
